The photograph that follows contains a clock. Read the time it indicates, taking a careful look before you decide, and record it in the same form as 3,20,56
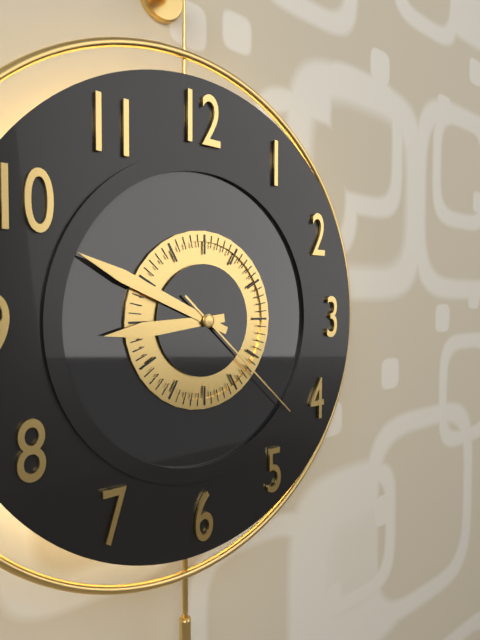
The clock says 8,49,22
